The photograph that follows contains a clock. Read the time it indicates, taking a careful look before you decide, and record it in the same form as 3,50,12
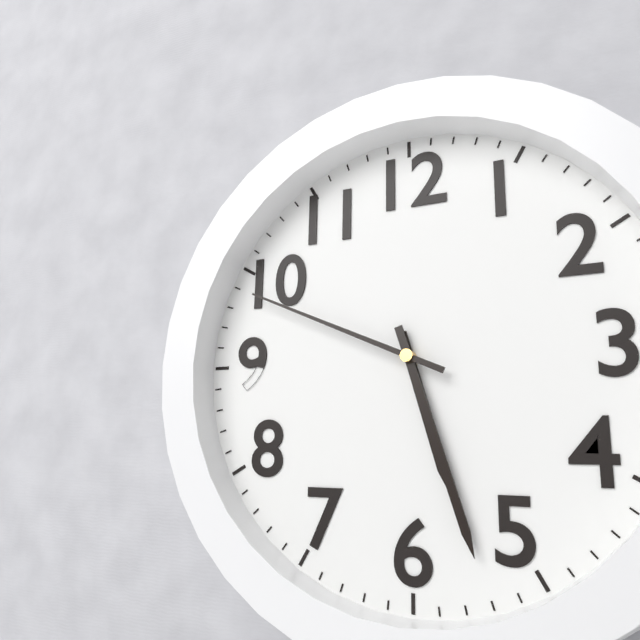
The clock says 5,27,49
